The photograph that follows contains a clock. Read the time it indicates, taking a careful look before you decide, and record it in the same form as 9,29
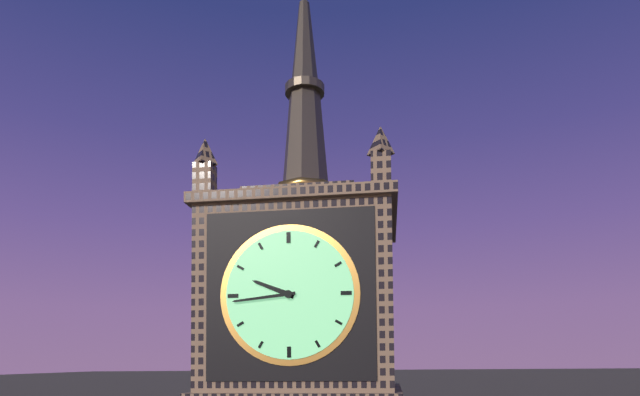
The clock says 9,44
